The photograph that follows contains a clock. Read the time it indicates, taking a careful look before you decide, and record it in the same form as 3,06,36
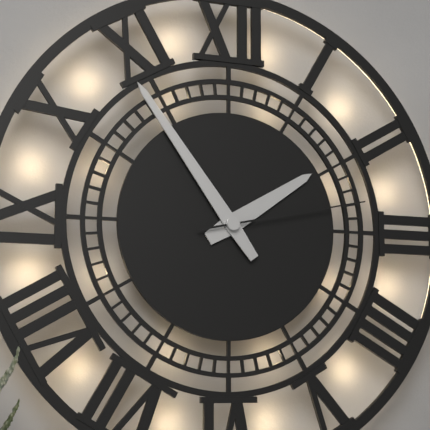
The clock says 1,54,13
